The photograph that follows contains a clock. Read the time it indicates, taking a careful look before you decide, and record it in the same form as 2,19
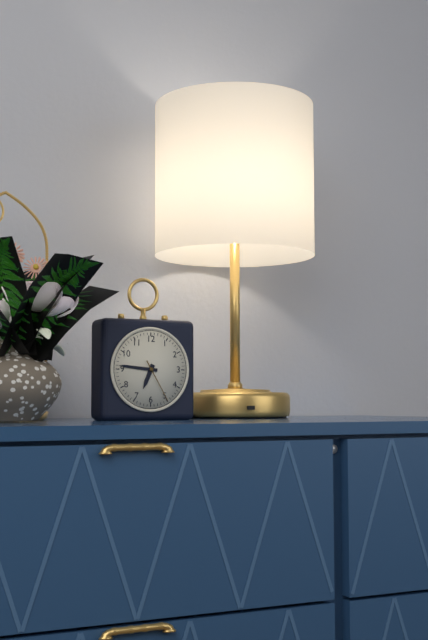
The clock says 6,46
